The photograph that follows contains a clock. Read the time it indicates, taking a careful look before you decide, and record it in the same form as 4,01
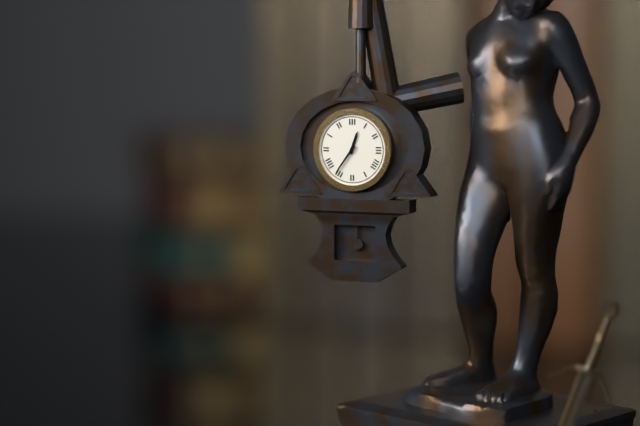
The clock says 12,36
